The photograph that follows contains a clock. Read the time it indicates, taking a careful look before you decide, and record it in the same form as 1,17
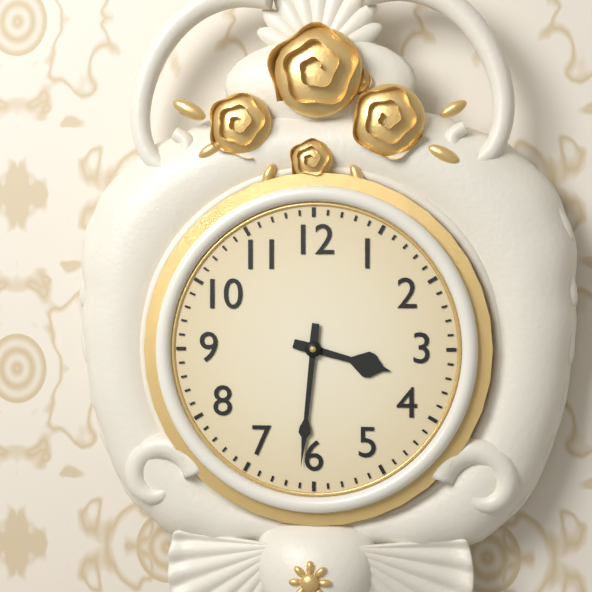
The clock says 3,31
